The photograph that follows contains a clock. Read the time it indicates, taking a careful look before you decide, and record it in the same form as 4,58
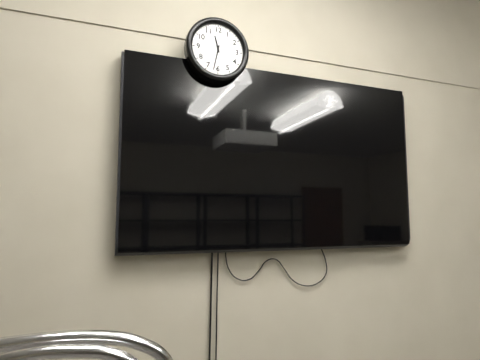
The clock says 11,32
